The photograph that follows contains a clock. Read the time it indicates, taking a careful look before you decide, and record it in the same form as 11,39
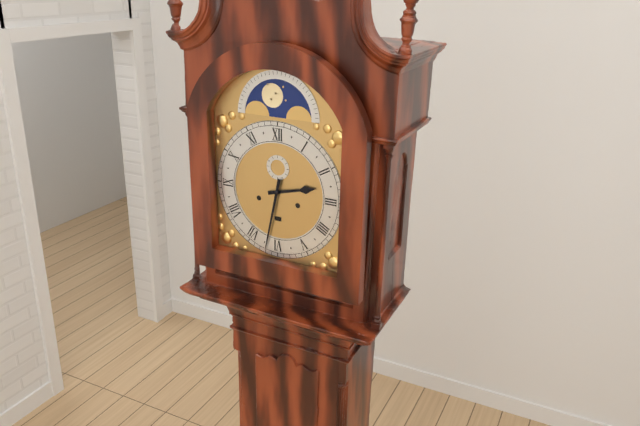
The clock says 2,32
